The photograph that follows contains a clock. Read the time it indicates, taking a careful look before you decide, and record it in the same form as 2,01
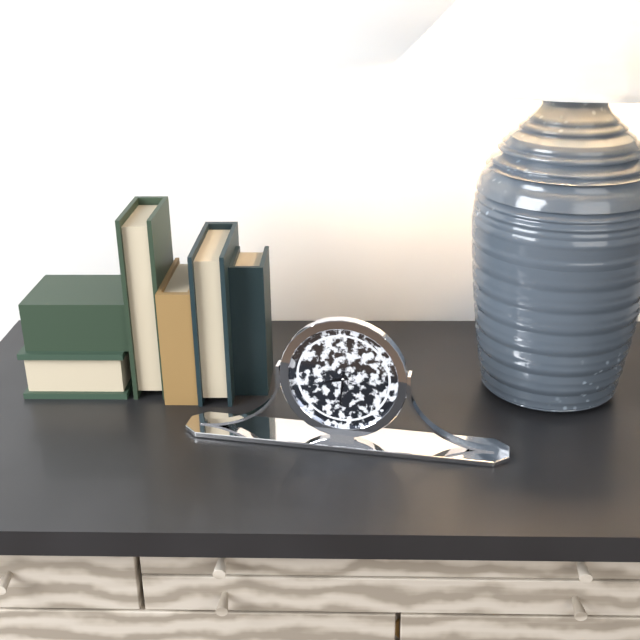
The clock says 8,31
